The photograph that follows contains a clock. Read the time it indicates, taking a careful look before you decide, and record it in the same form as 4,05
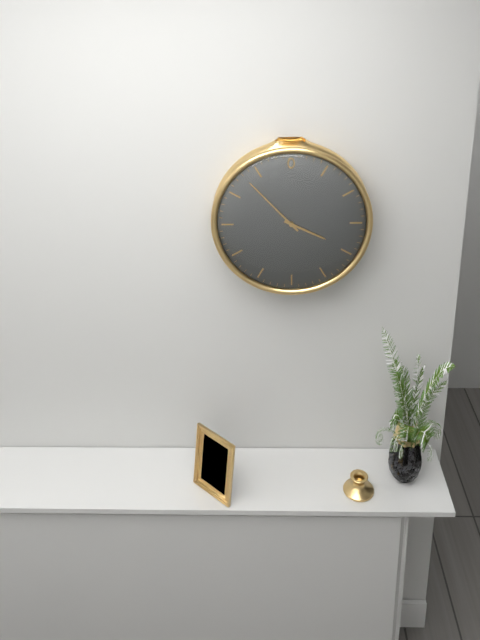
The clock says 3,53
